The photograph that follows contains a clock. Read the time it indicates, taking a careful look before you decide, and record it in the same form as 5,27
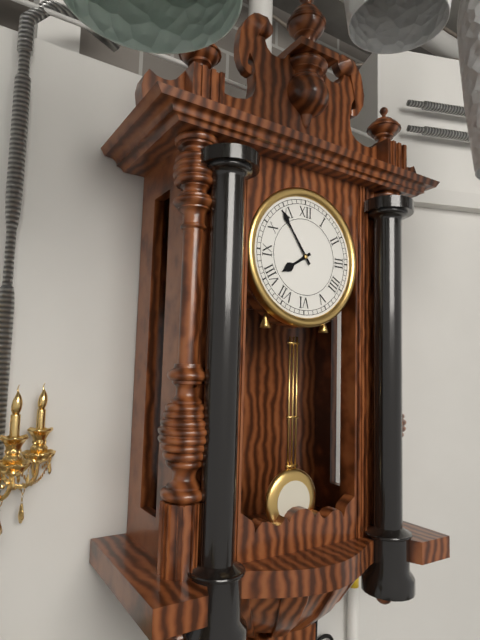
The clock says 7,54
